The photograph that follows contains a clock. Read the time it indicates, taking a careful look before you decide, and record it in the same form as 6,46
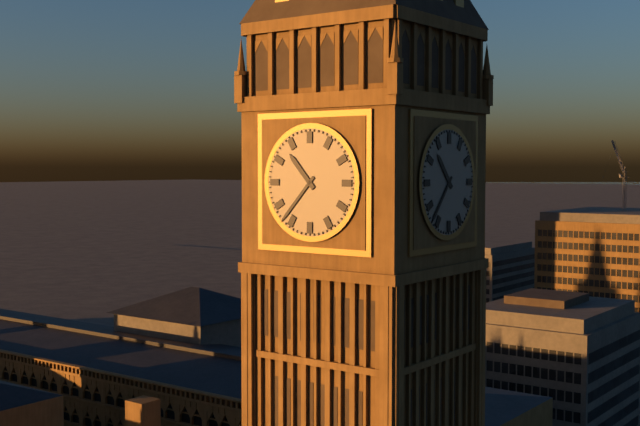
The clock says 10,37
